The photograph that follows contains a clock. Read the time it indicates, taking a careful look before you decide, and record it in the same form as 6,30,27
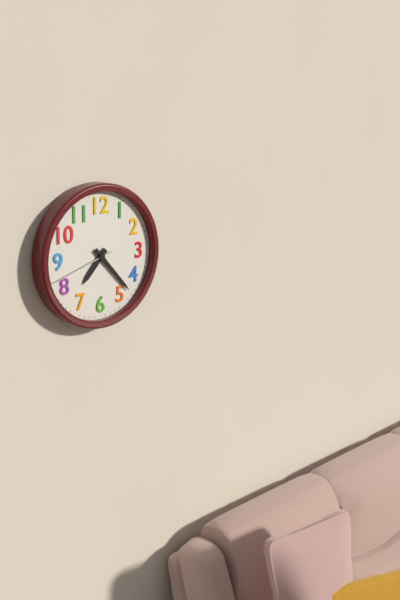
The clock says 7,23,42
